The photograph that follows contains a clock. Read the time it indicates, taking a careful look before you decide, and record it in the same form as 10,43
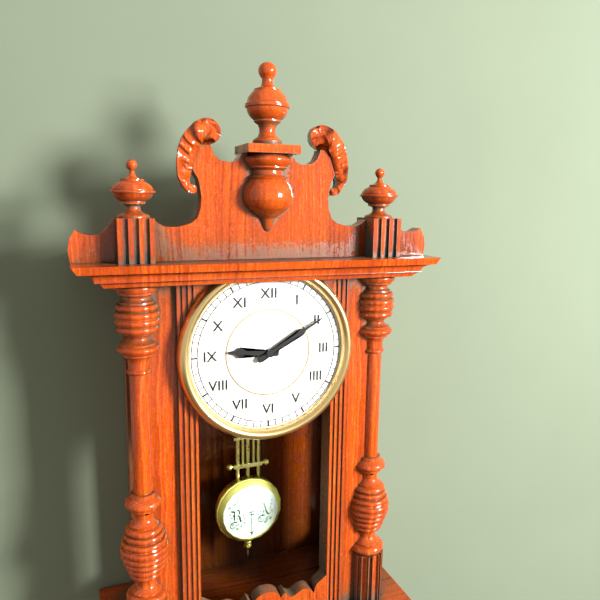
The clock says 9,10
